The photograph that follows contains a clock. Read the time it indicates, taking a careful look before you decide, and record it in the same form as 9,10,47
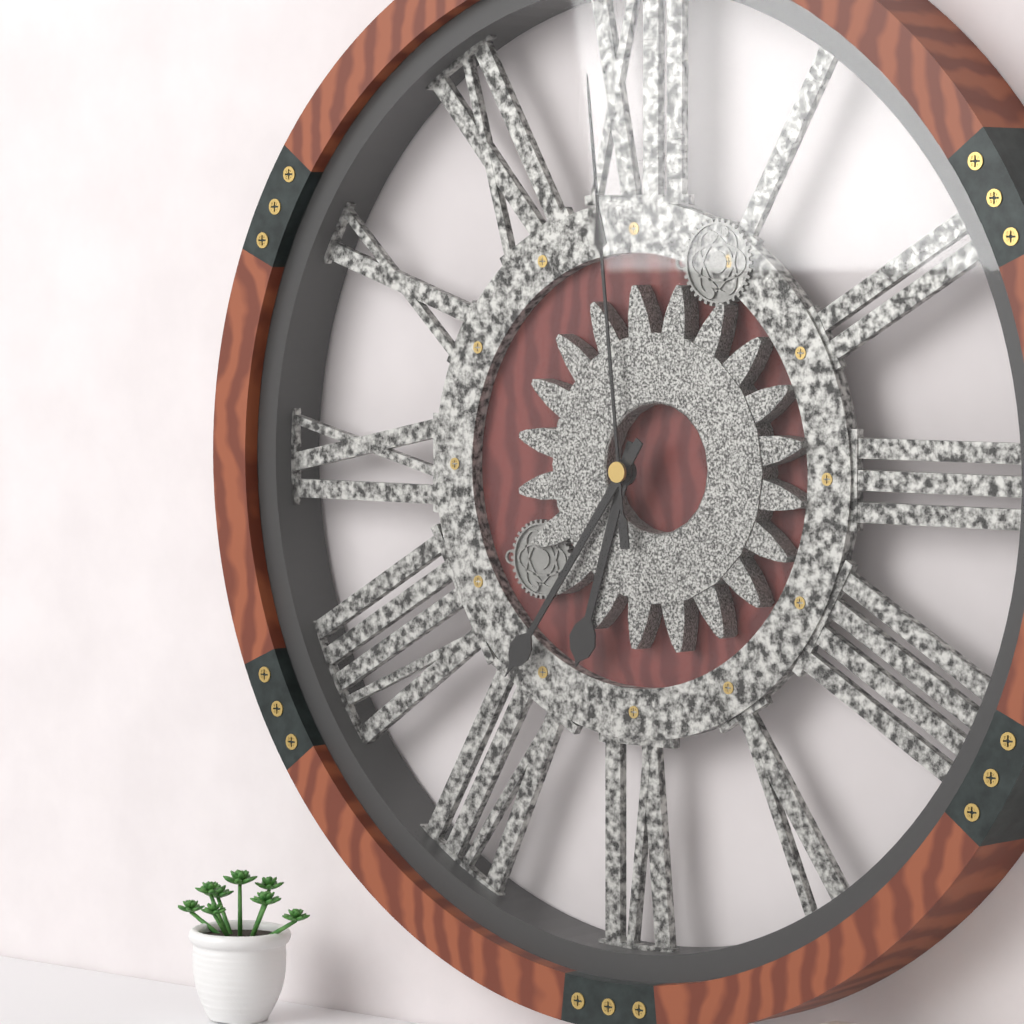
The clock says 6,36,59
